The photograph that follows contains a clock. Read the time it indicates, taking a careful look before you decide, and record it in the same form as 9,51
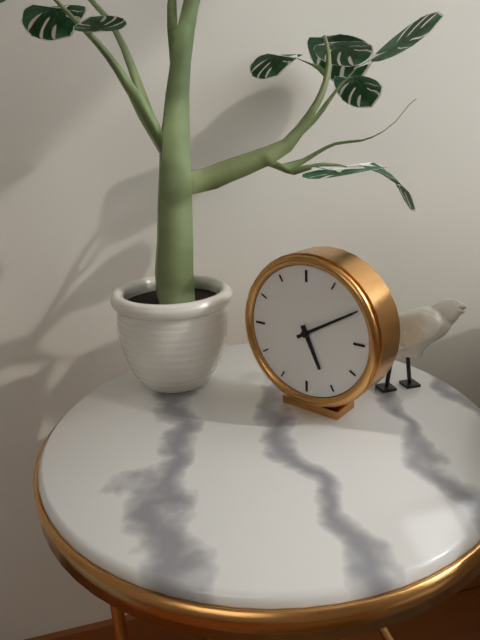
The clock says 5,10
